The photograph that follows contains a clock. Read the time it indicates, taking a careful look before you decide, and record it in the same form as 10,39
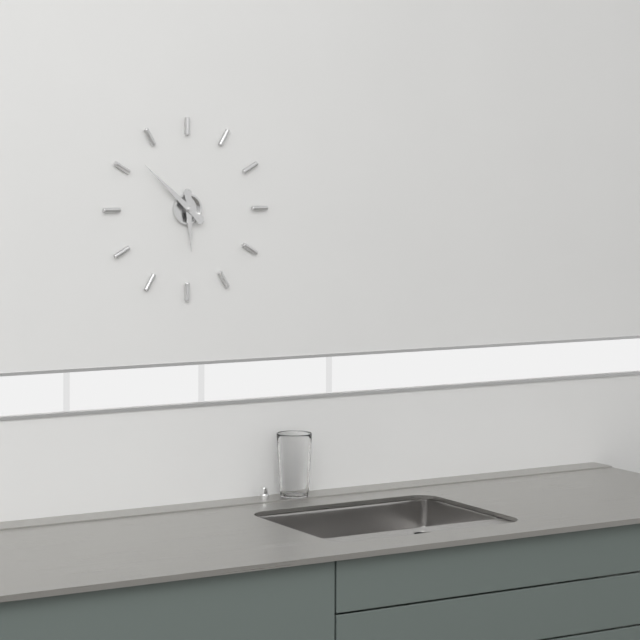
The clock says 5,52
